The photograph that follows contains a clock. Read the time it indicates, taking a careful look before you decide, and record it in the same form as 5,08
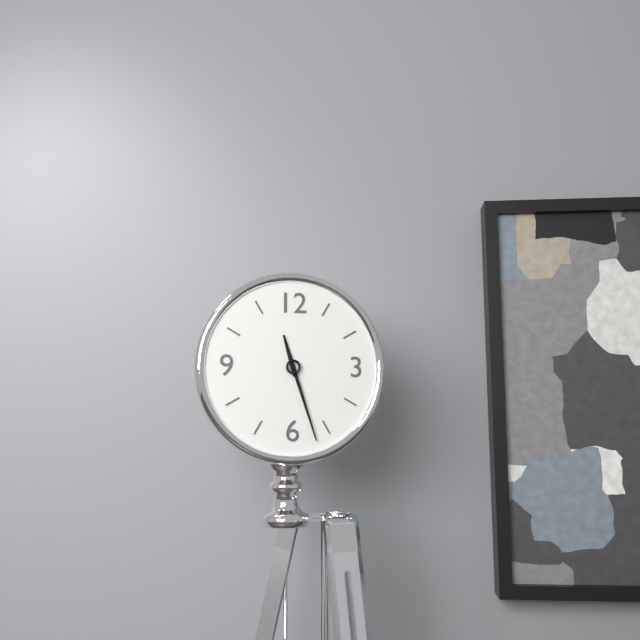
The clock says 11,27
